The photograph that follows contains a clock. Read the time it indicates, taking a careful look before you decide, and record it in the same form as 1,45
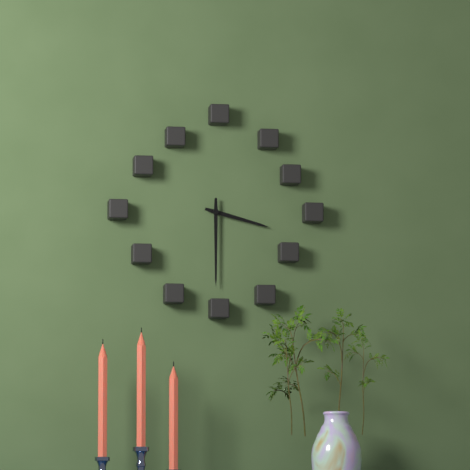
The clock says 3,30
